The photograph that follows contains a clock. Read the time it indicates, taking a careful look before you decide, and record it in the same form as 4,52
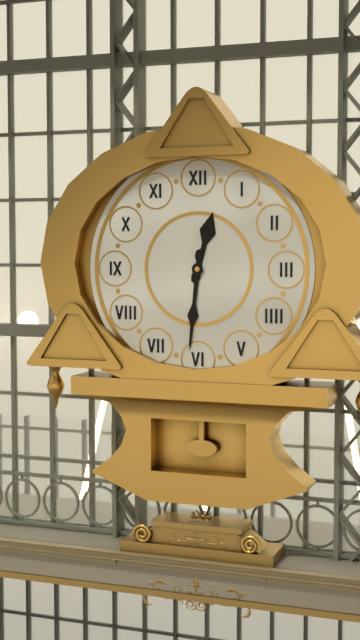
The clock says 12,31
